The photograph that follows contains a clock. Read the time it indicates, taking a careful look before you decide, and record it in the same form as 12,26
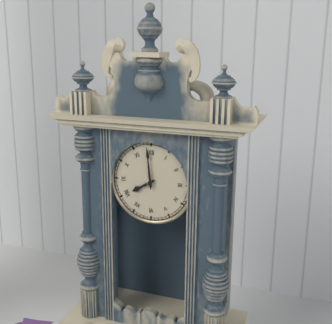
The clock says 7,59
